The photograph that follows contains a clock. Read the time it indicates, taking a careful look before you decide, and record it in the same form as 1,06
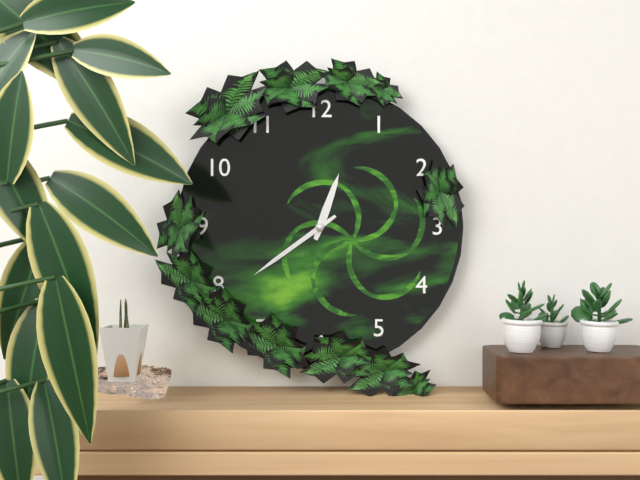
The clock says 12,39
